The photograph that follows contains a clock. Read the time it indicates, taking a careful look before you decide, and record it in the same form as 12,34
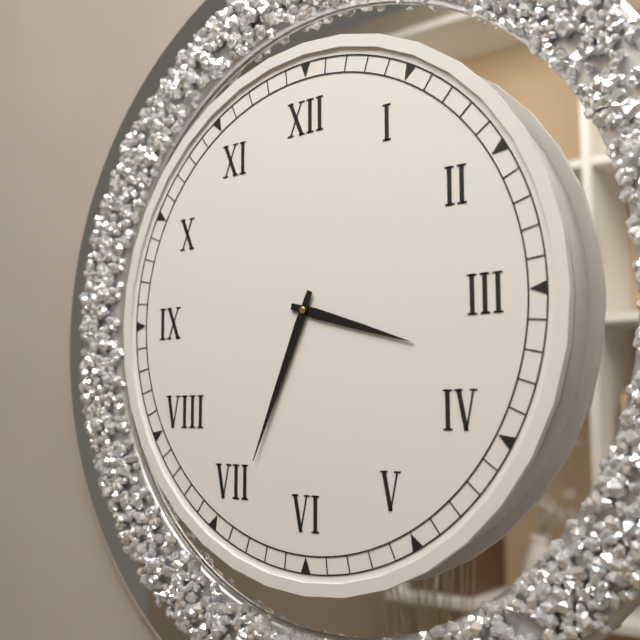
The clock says 3,34
